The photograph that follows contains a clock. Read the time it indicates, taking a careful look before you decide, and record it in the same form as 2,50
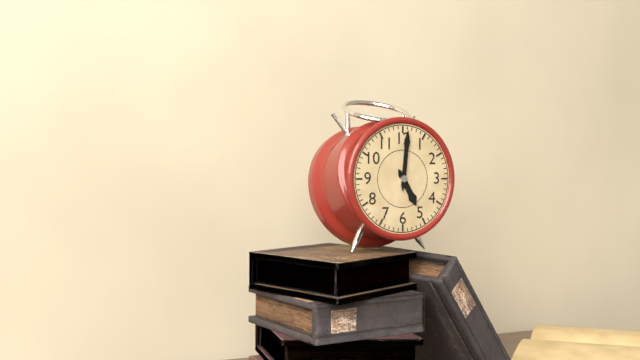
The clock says 5,01
